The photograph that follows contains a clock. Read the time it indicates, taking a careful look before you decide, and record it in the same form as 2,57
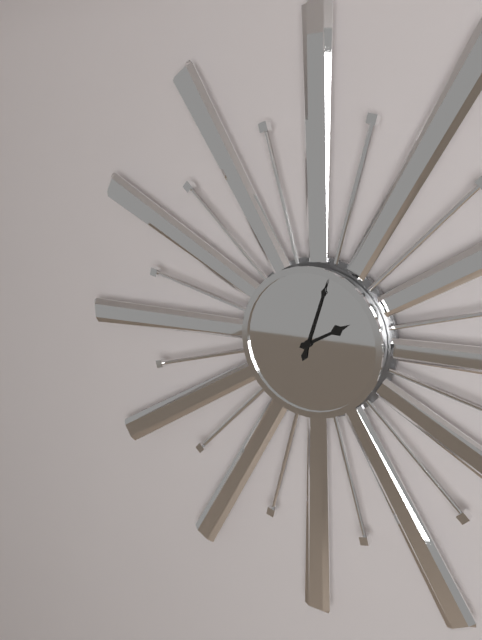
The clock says 2,03
